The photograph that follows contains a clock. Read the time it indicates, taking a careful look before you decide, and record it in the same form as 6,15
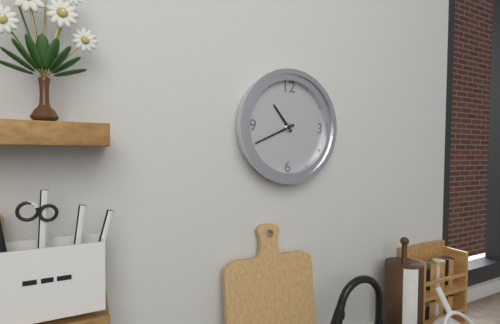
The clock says 10,41
